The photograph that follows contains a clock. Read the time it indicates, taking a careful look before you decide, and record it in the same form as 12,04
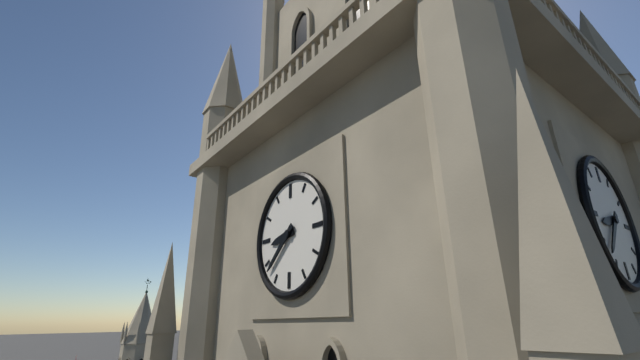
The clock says 8,38
